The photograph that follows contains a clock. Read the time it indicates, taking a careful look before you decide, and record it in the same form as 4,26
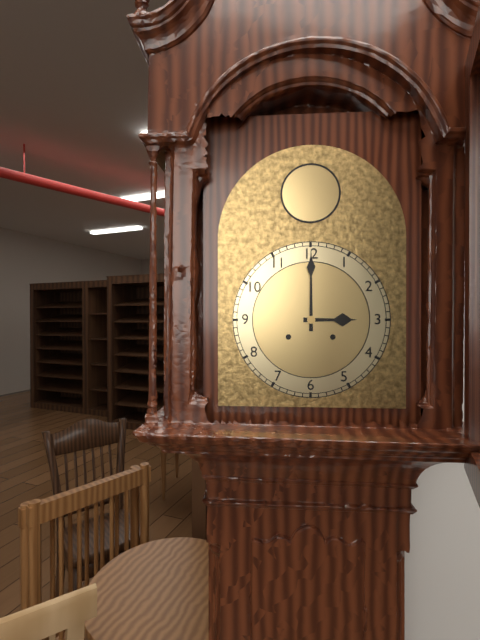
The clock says 3,00
